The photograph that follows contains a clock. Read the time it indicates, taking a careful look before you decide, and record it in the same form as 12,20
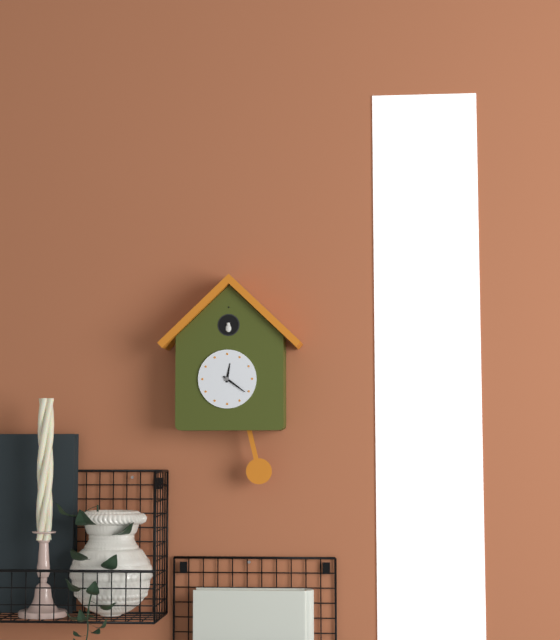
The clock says 12,21
